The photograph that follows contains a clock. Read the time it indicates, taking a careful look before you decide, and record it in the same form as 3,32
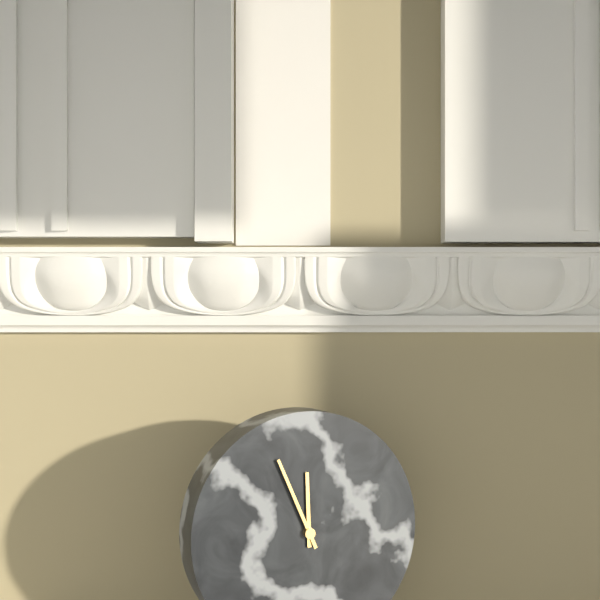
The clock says 11,56
